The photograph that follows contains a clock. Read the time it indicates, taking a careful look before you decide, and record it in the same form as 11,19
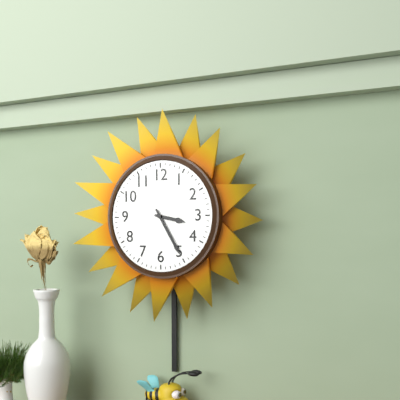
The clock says 3,25
